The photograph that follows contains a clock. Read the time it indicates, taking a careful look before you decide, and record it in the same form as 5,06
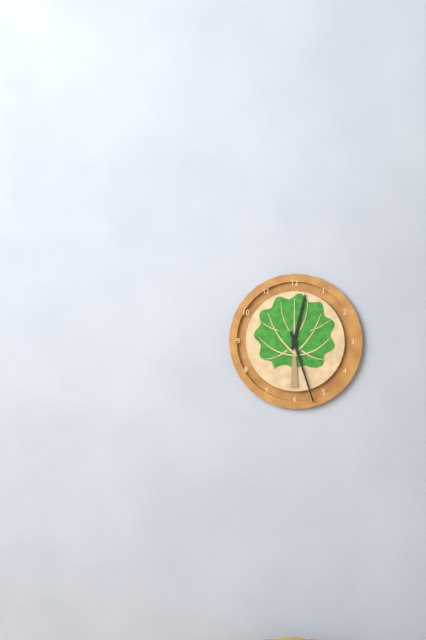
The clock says 12,27
